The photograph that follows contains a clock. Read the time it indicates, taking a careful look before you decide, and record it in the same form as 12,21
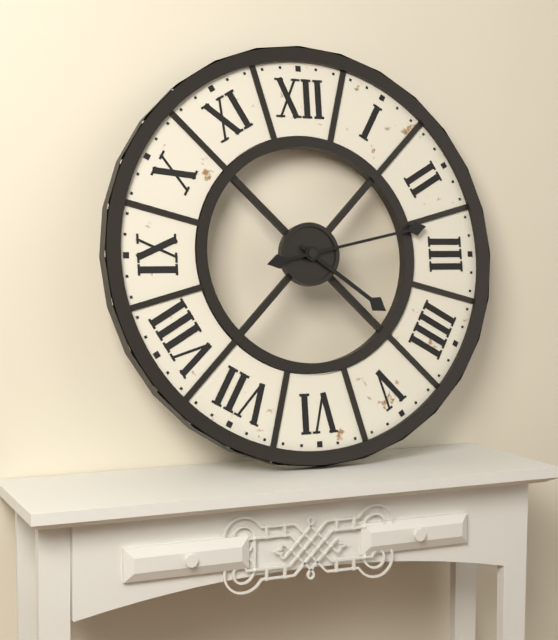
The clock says 4,13
